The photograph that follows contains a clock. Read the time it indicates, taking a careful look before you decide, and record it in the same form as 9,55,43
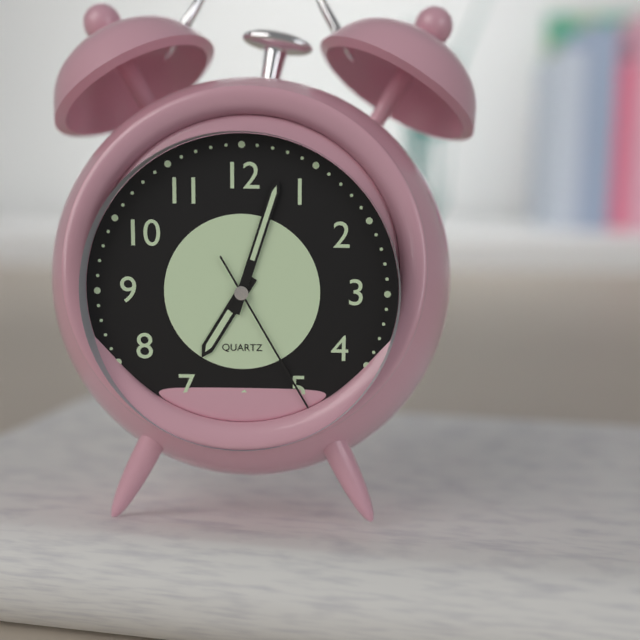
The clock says 7,03,25
